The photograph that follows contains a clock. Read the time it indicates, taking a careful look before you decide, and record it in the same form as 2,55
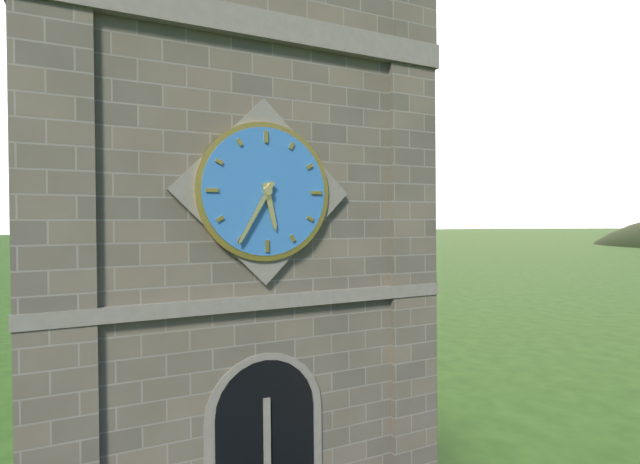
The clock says 5,35
